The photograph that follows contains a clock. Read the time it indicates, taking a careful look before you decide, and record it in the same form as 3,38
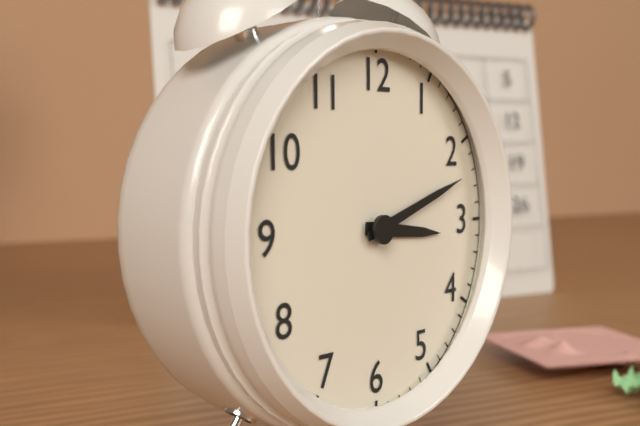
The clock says 3,12
